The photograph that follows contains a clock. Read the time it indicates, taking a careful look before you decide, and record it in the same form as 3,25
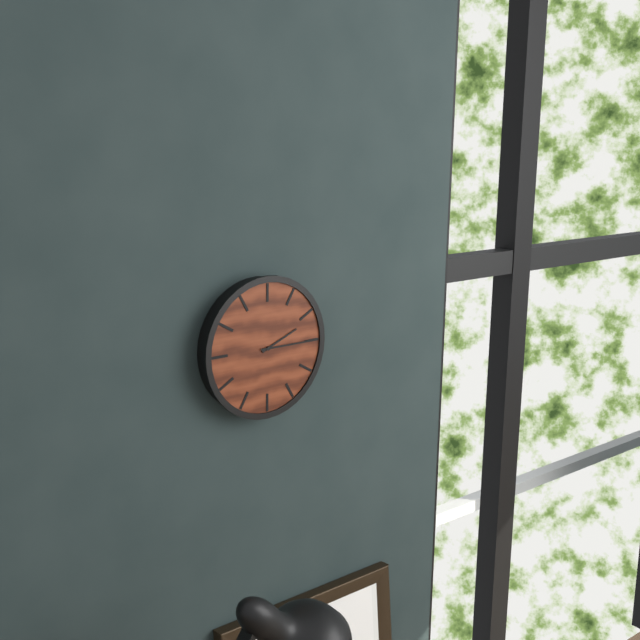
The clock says 2,15
